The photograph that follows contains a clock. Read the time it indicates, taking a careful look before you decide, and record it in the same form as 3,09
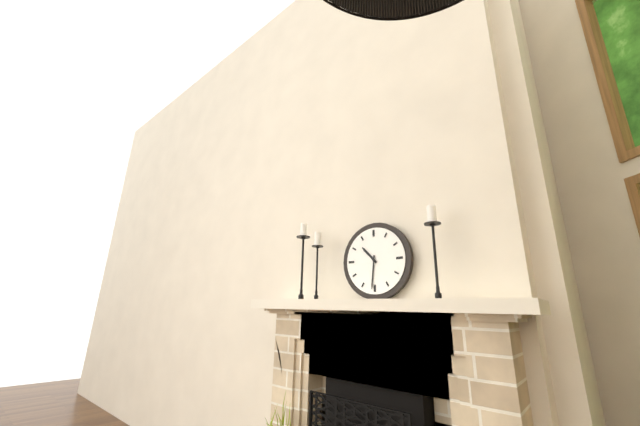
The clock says 10,31
